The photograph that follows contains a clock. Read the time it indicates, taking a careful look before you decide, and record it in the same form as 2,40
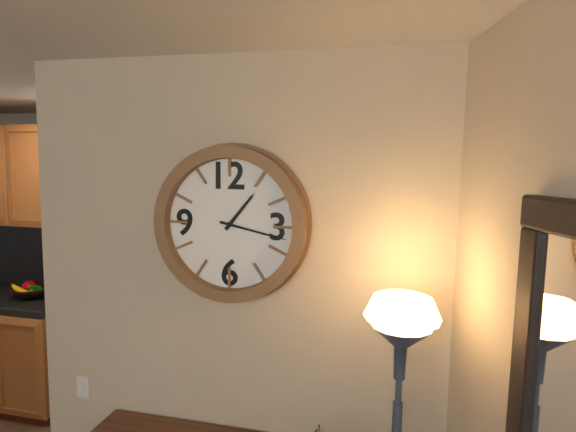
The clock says 1,17
